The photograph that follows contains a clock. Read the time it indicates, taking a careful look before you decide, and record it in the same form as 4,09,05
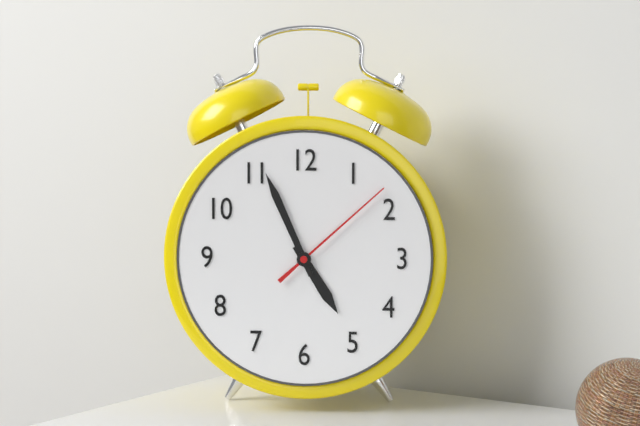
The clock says 4,56,08
